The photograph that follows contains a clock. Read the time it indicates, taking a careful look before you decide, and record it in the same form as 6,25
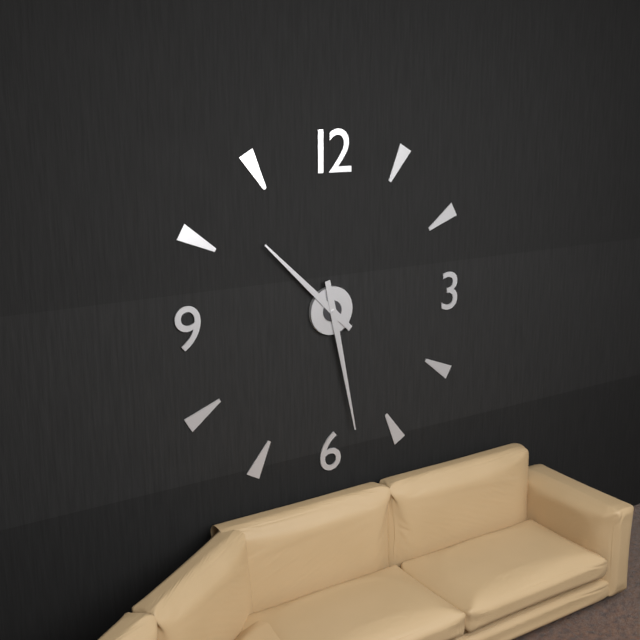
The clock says 10,28
